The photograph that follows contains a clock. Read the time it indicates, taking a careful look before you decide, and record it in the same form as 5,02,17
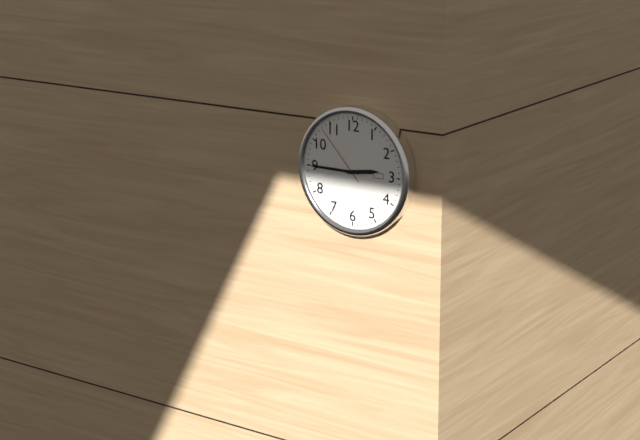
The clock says 2,45,53
